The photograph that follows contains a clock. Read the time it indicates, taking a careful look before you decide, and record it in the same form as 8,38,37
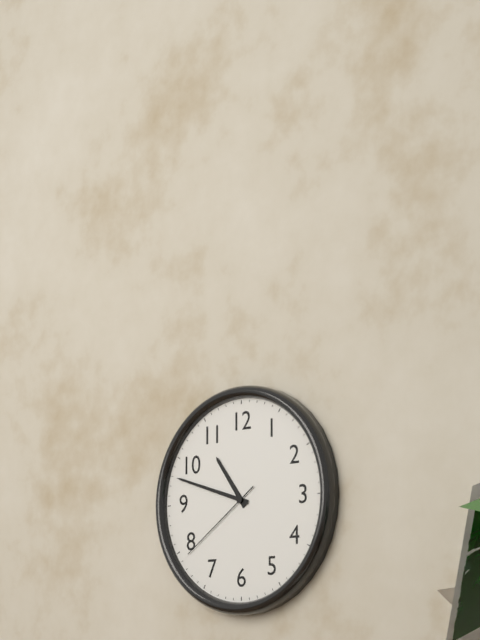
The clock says 10,48,39
